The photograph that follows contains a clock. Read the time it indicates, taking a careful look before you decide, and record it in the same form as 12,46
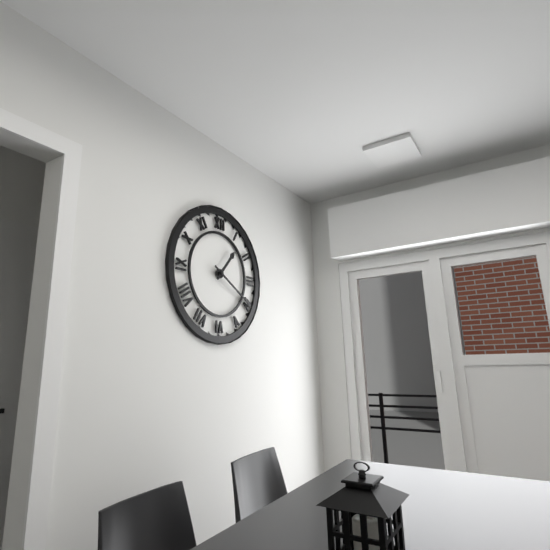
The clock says 1,20
